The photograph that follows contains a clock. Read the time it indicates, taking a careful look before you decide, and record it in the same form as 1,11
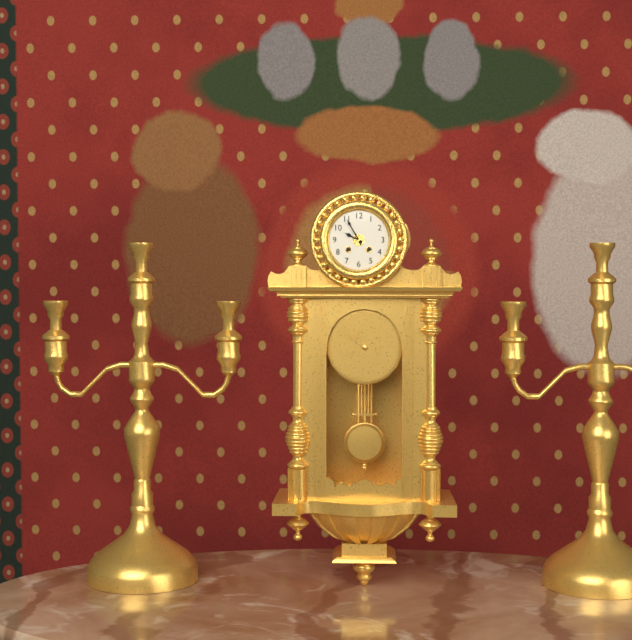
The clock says 9,55
